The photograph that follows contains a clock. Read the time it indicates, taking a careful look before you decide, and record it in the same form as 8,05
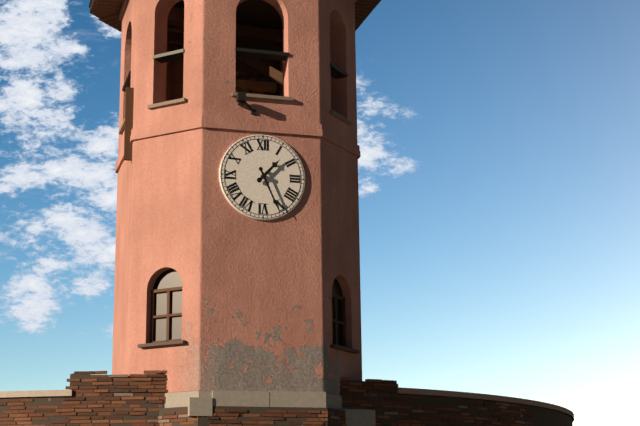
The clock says 1,26
